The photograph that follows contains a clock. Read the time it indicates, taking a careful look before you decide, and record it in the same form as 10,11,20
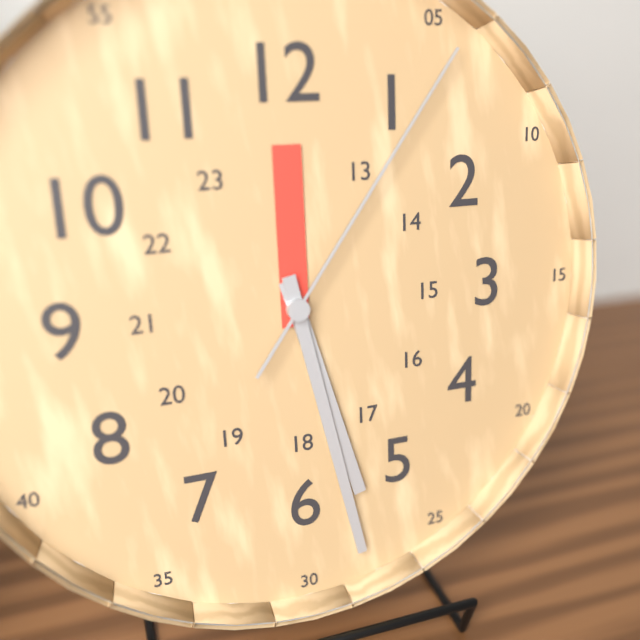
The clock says 5,28,06
